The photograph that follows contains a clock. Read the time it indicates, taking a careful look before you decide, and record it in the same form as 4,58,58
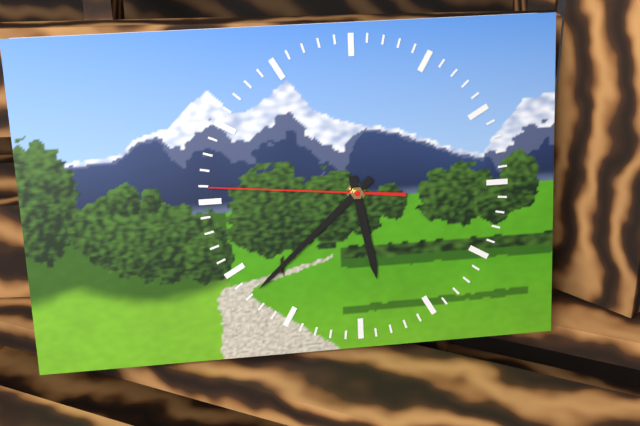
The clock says 5,38,46
